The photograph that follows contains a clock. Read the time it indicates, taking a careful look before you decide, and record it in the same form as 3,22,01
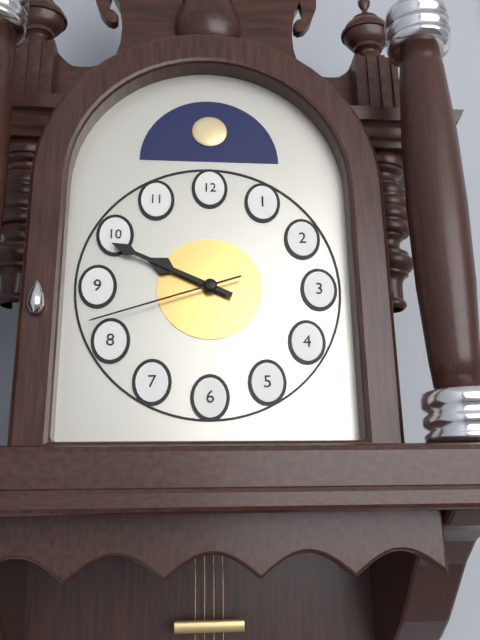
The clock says 9,49,42
